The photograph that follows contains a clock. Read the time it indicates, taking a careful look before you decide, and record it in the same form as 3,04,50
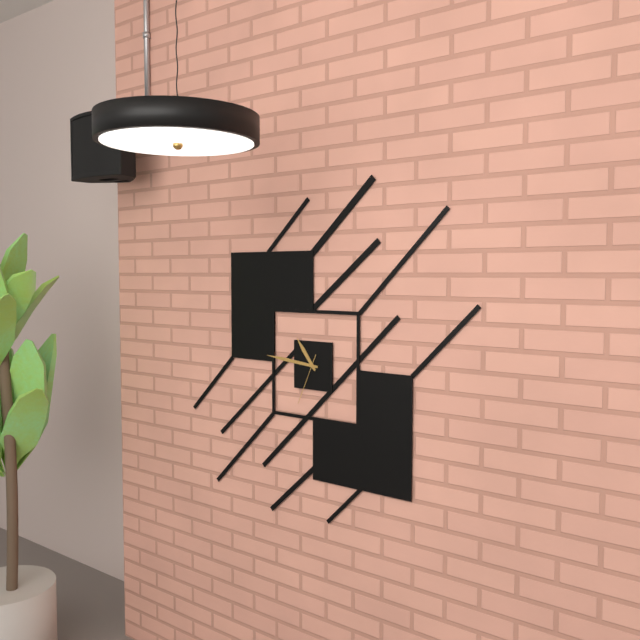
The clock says 10,46,34
